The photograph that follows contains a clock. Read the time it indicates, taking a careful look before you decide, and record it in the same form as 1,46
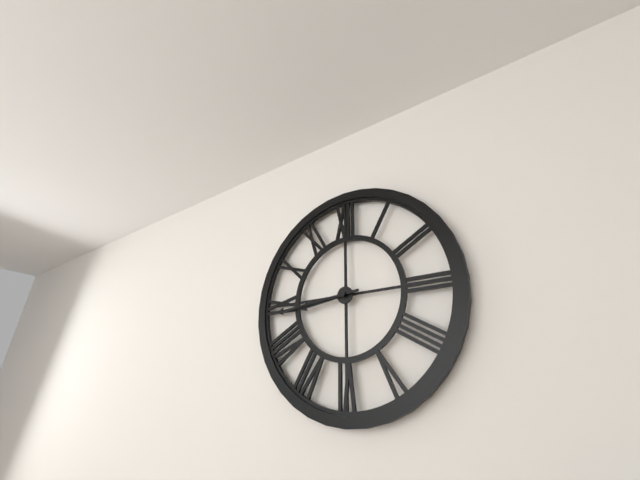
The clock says 8,44
